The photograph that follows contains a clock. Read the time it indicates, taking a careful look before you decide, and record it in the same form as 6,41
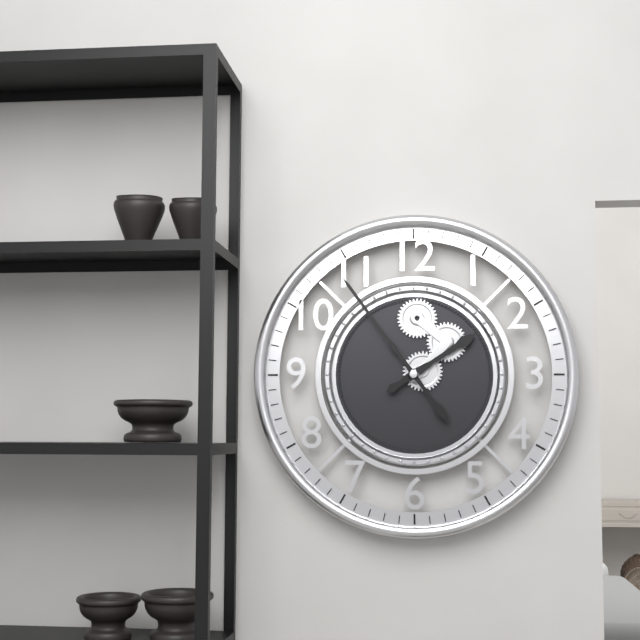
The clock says 1,54
